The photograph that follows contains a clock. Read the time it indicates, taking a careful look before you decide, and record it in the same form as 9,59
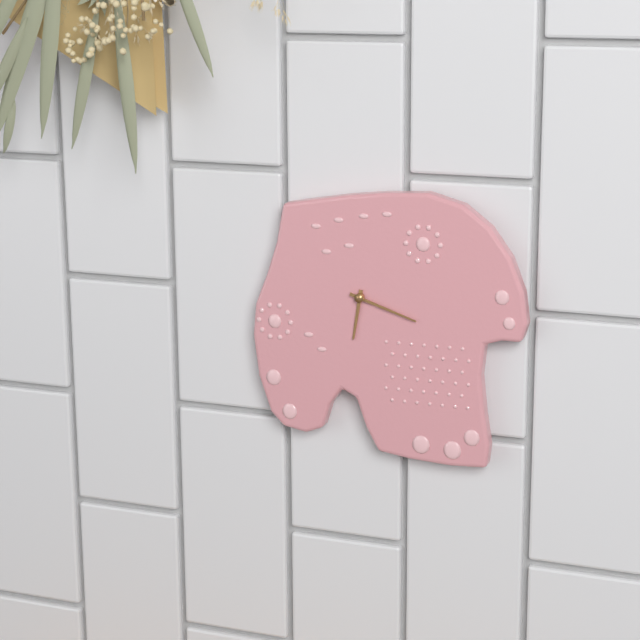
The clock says 6,18
